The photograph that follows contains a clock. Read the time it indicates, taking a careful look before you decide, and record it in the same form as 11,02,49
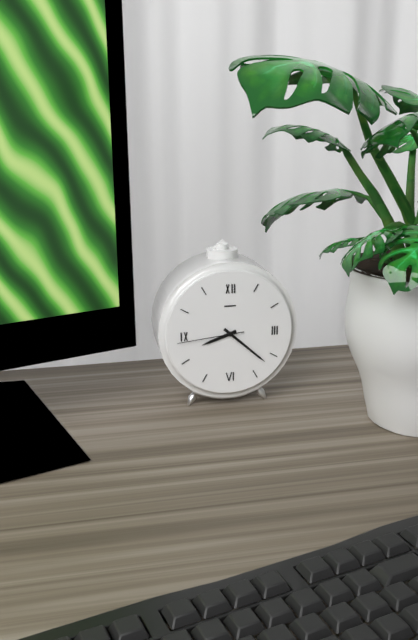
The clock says 8,22,44
